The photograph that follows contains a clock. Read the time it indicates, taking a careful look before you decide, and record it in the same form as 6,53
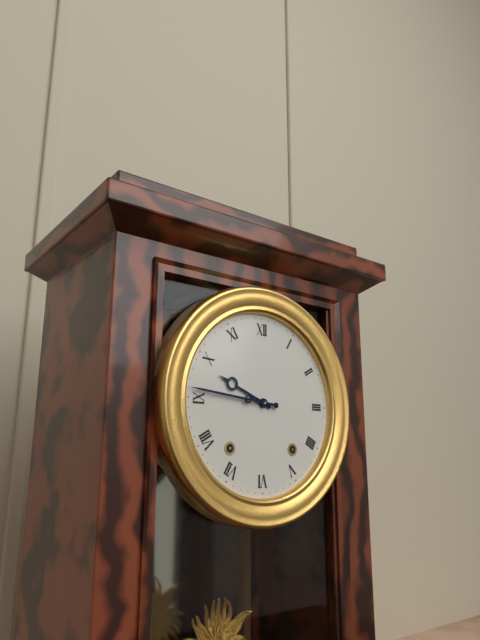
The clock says 9,46
